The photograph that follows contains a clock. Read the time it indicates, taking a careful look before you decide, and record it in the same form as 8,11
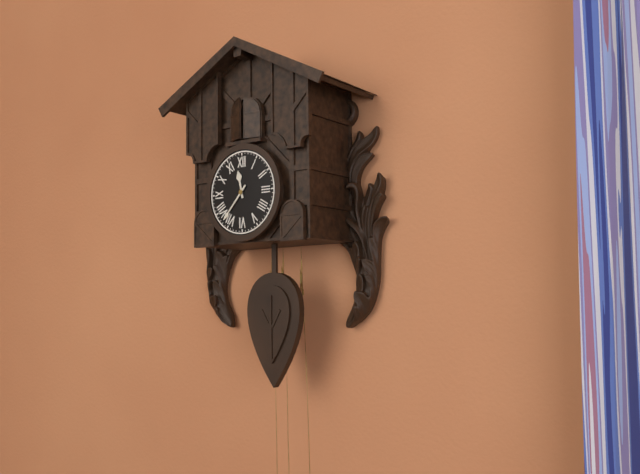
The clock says 11,37
